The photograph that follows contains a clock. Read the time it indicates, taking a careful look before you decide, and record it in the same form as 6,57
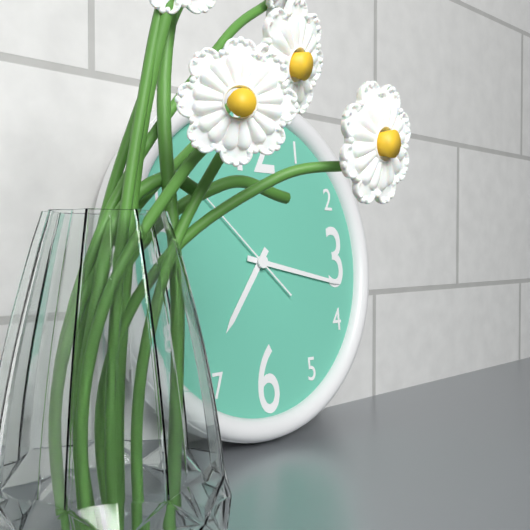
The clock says 7,17
